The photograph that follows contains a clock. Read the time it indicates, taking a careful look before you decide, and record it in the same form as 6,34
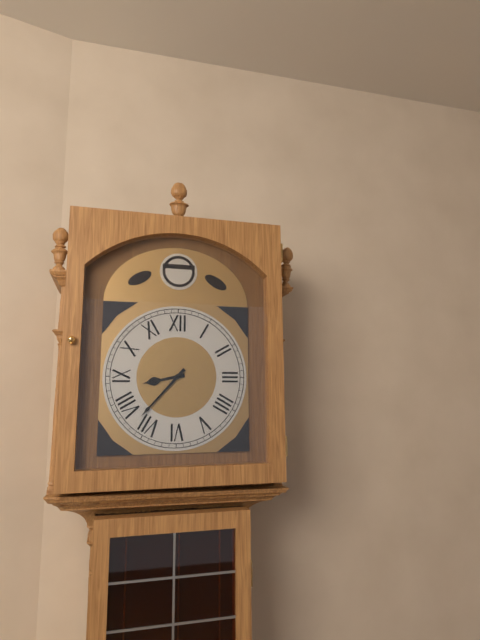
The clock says 8,37
